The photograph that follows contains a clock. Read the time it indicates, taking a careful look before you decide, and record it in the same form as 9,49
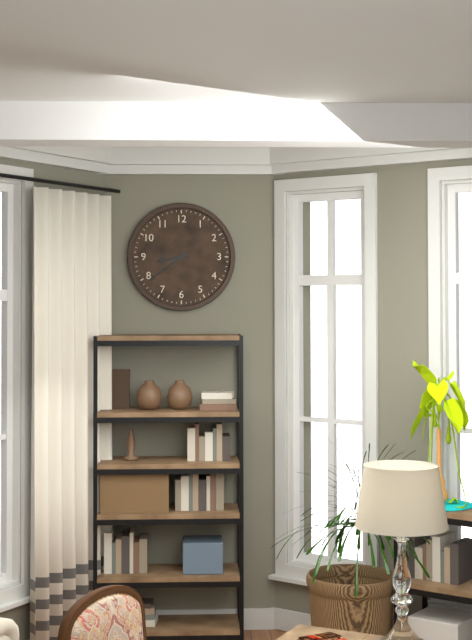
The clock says 8,39
